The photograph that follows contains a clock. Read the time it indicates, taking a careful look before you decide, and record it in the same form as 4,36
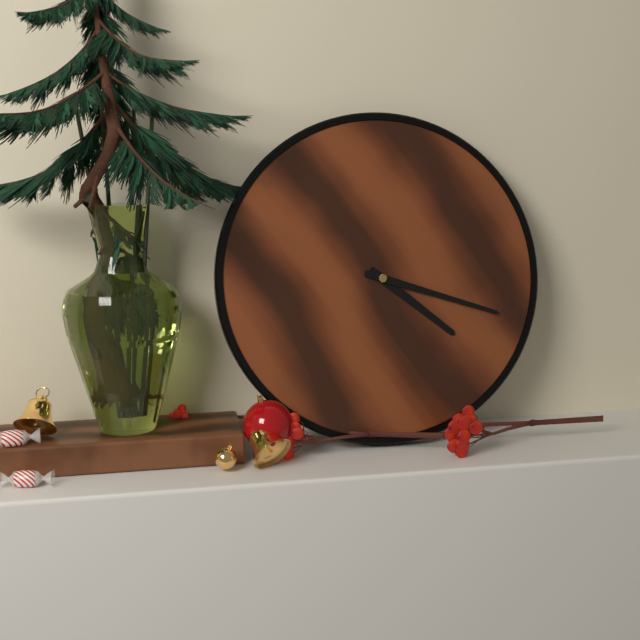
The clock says 4,18
